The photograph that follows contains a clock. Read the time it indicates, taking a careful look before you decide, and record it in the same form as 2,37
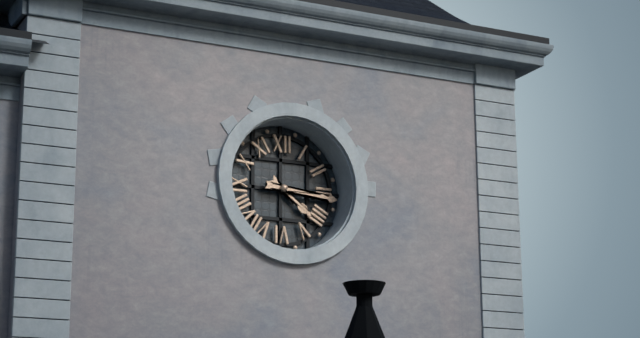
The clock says 4,16
